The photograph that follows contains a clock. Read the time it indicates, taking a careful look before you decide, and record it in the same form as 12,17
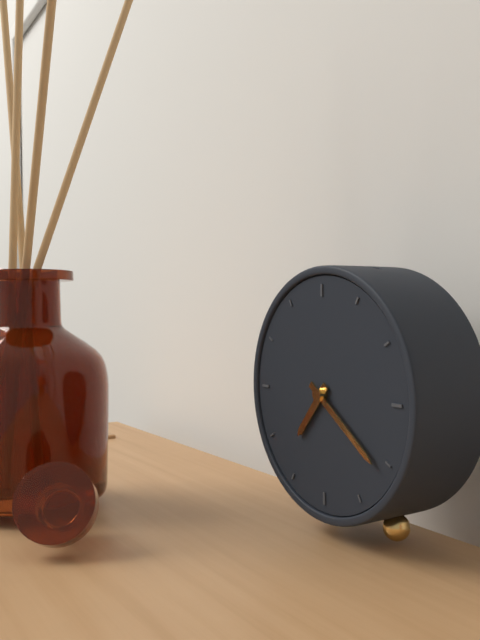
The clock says 7,21
